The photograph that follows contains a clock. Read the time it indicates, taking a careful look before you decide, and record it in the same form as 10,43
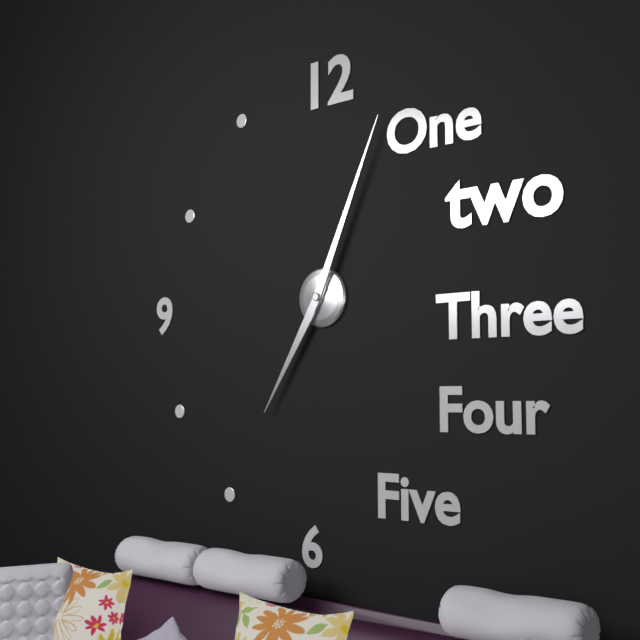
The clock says 7,04
